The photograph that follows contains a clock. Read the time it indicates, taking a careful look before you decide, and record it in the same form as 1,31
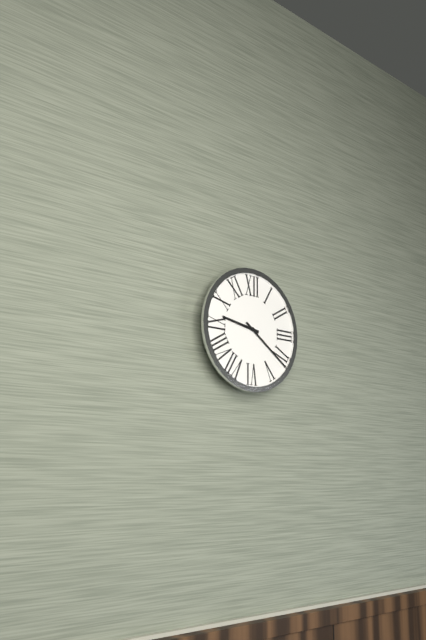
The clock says 9,21
